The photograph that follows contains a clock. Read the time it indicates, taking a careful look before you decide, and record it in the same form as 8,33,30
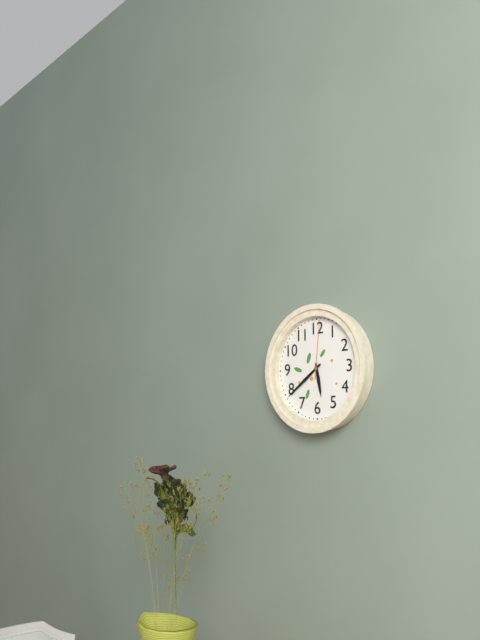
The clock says 5,39,01
